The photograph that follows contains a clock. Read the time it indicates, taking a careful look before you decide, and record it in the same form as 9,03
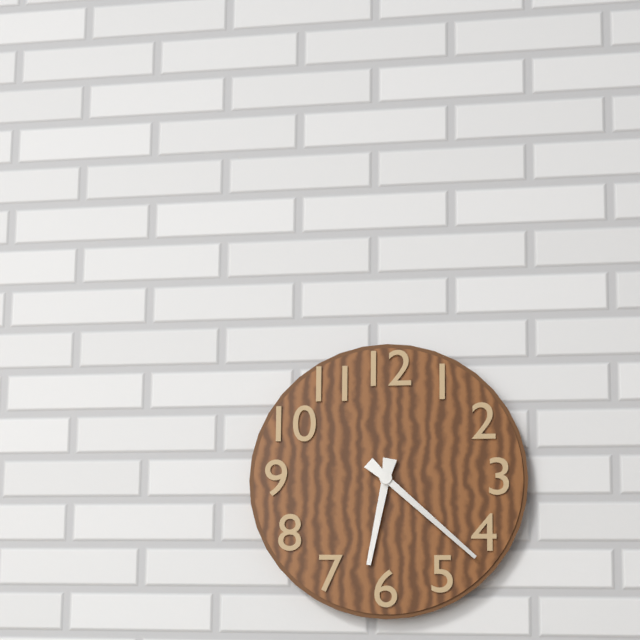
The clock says 6,22
